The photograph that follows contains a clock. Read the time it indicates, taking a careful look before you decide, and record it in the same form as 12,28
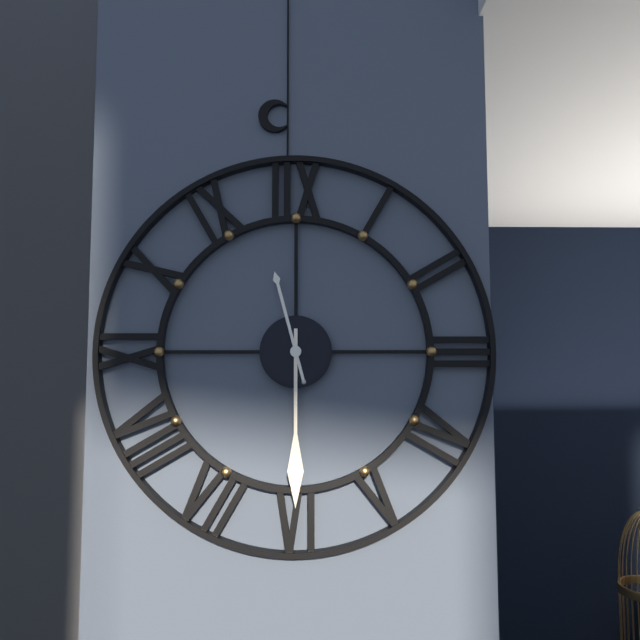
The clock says 11,30
